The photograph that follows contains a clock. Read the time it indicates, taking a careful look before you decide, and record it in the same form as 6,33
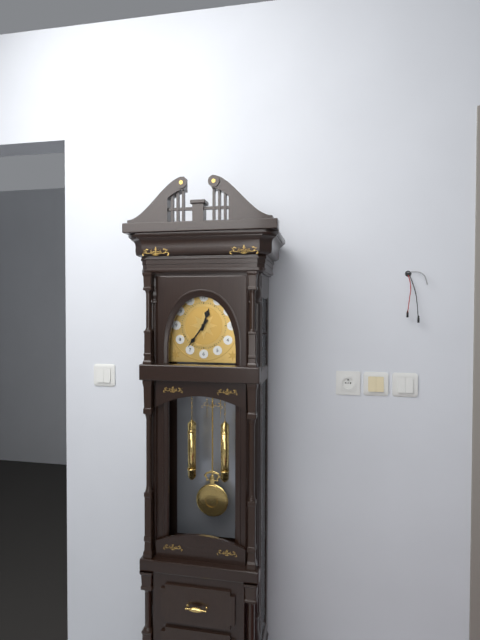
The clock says 12,36
